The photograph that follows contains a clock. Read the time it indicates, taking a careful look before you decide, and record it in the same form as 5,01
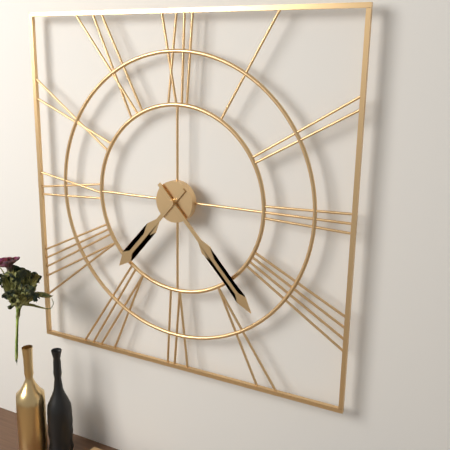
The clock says 7,23
